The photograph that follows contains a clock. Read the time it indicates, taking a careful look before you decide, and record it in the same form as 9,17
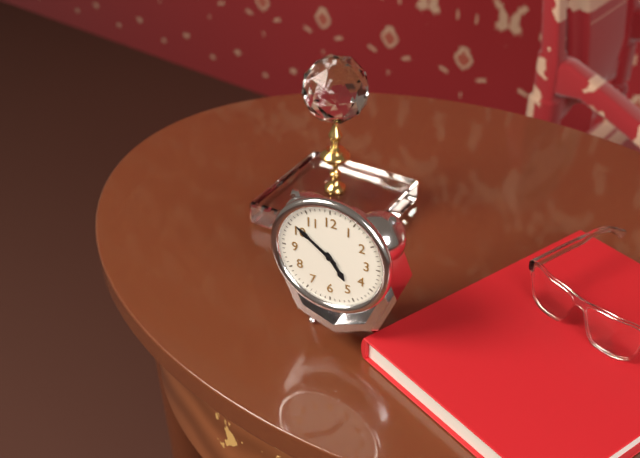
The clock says 4,51
